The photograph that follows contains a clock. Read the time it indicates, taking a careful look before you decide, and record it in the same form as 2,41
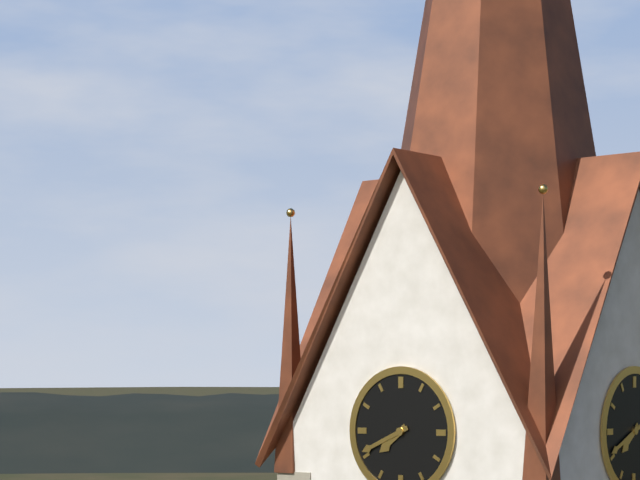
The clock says 7,41
